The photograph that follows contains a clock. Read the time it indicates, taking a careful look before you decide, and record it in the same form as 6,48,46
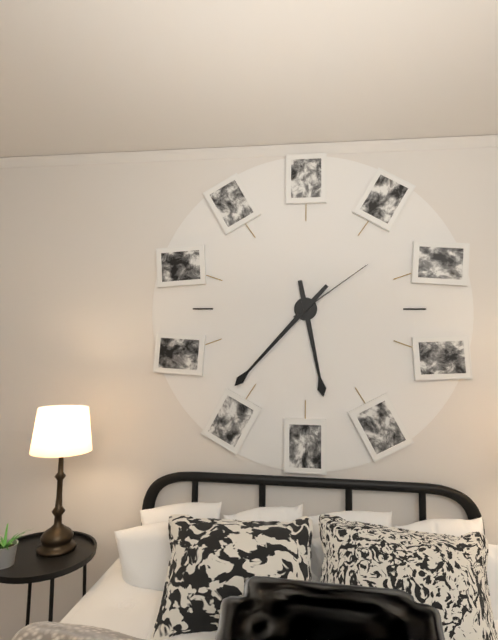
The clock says 5,37,09
